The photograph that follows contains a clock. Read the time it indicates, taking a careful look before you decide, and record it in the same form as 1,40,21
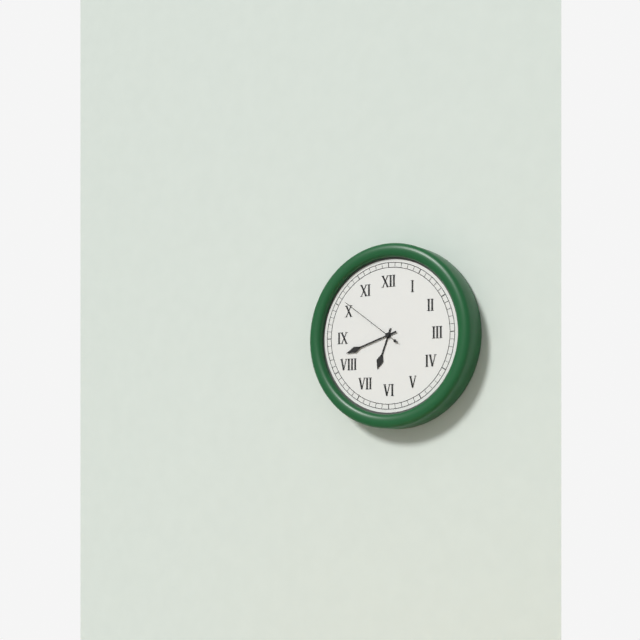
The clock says 6,42,51
